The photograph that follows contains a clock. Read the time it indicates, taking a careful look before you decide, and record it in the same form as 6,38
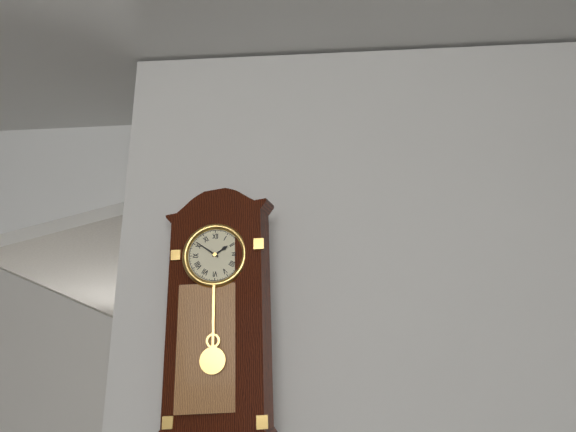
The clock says 1,51
